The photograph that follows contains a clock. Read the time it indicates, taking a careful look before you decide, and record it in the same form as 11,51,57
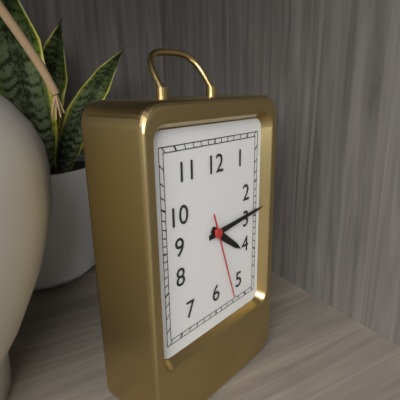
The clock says 4,14,27
